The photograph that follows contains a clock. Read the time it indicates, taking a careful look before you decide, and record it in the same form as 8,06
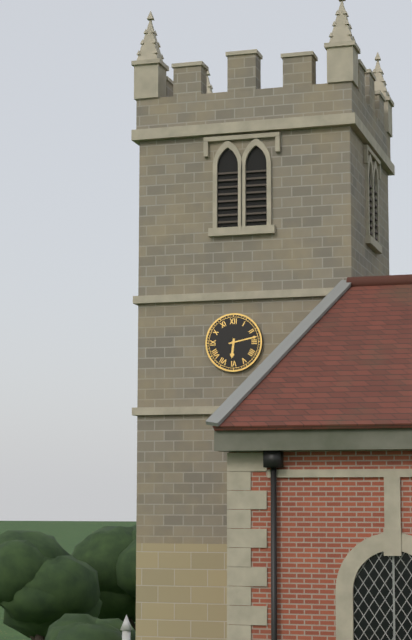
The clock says 6,13
